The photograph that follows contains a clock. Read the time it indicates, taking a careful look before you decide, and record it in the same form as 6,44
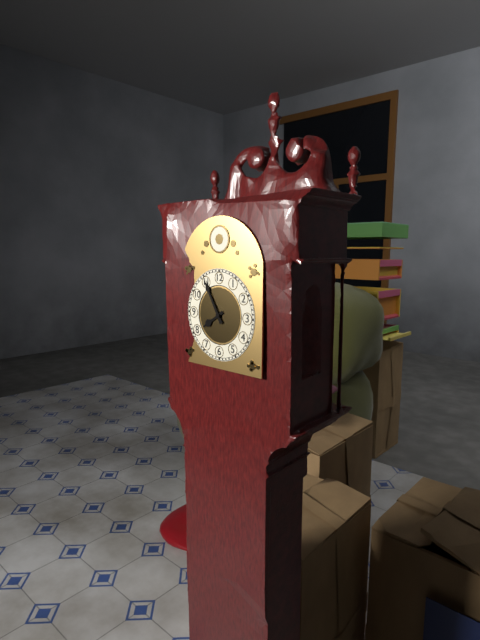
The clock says 7,55
